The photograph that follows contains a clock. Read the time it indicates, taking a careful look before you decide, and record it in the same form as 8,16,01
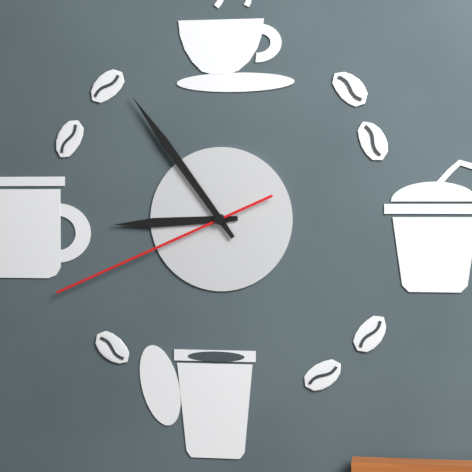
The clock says 8,54,41
